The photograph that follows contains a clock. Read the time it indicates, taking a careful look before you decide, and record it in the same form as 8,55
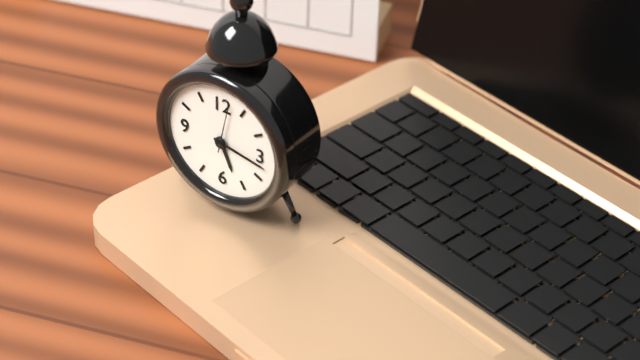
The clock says 5,17
